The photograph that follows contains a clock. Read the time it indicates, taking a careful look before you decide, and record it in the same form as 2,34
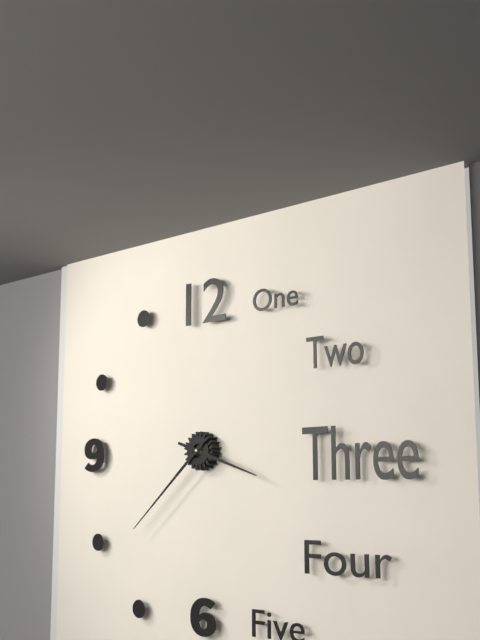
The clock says 3,38
